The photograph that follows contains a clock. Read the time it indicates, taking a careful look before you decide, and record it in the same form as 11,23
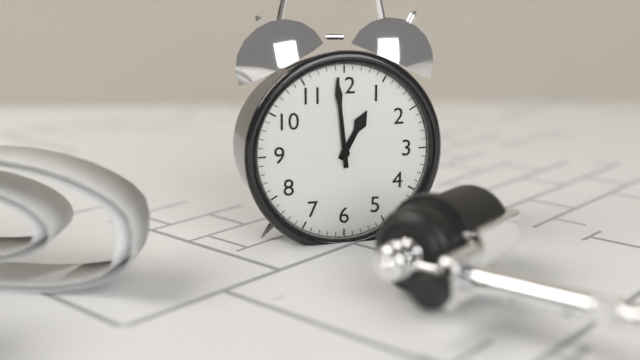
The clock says 12,59
